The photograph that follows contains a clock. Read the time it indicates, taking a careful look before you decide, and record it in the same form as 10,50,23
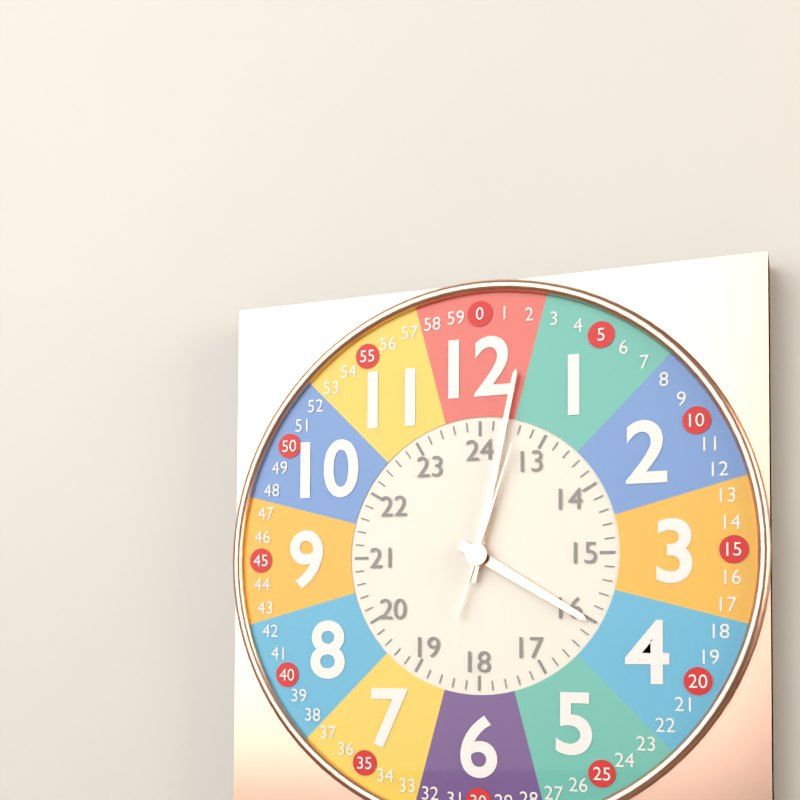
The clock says 4,02,03
